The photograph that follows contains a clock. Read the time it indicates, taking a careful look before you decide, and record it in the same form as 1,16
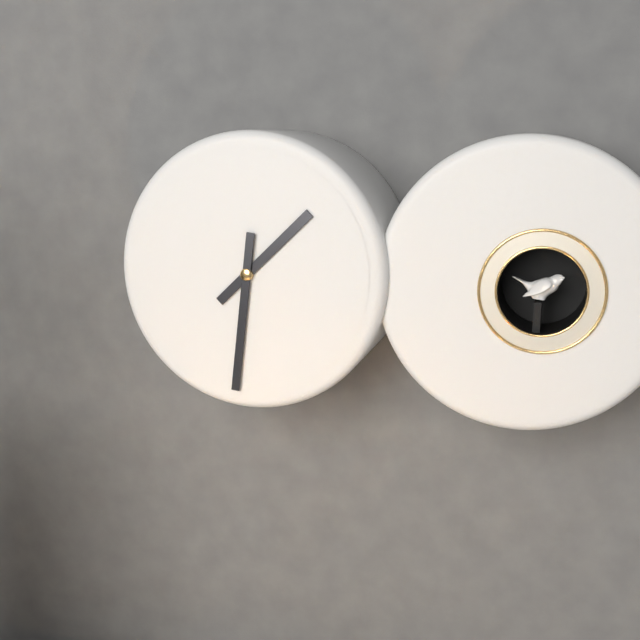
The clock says 1,31
